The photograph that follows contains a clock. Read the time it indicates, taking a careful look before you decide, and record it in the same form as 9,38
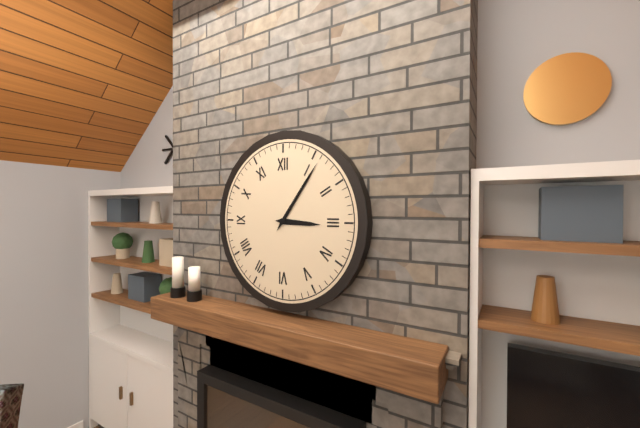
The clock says 3,06
